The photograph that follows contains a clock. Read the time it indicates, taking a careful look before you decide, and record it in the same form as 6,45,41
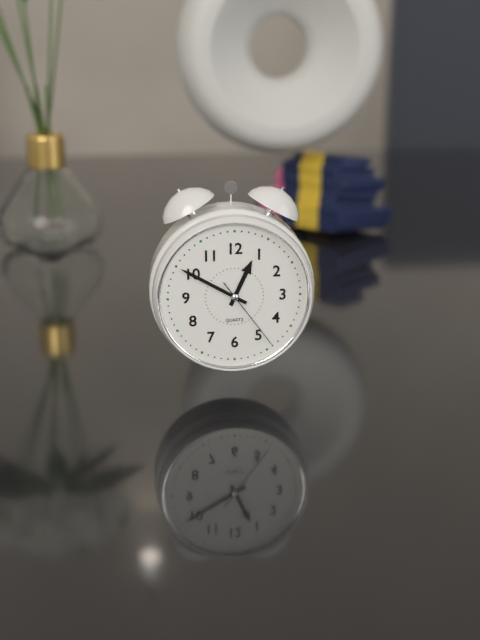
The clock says 12,50,24
